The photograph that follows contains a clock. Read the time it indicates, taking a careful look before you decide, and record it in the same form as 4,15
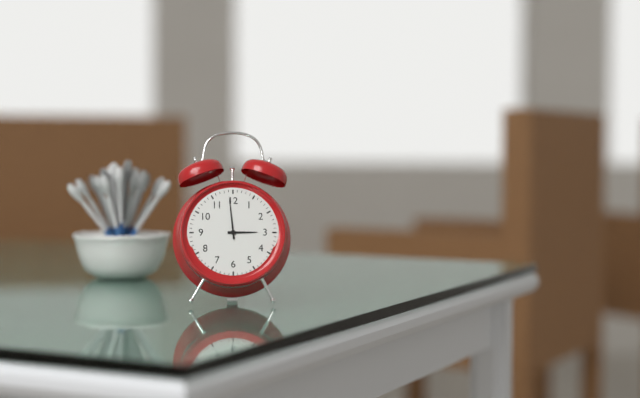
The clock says 2,59
